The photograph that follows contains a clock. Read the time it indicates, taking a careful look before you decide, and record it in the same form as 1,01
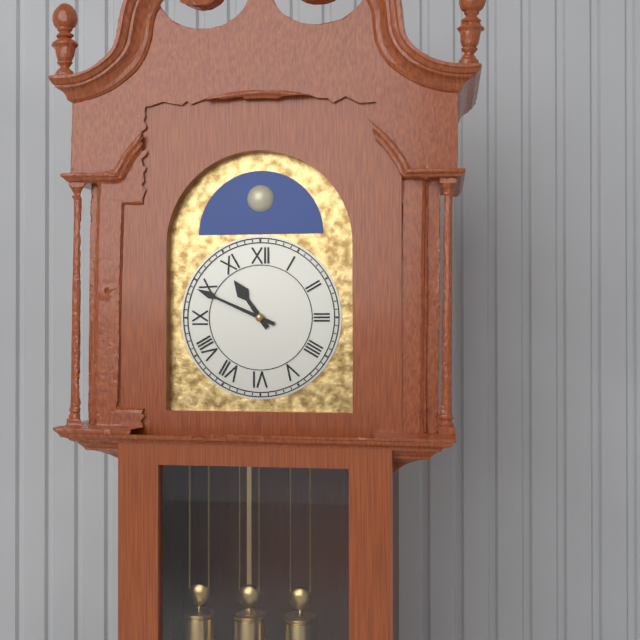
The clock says 10,49
